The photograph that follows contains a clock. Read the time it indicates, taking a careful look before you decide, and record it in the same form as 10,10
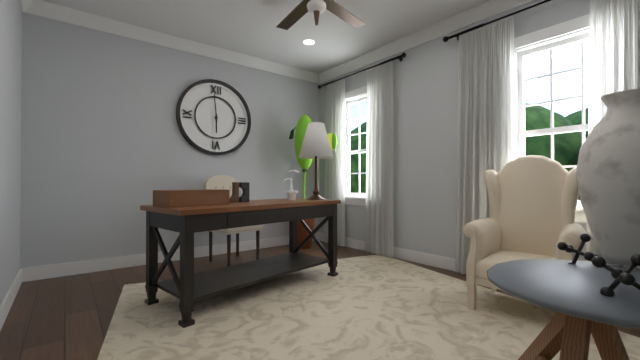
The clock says 5,59
